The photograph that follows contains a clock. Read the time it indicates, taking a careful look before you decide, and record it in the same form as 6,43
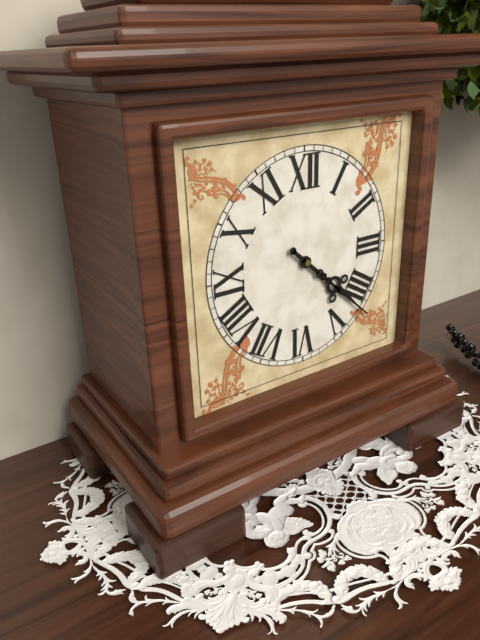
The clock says 4,22
